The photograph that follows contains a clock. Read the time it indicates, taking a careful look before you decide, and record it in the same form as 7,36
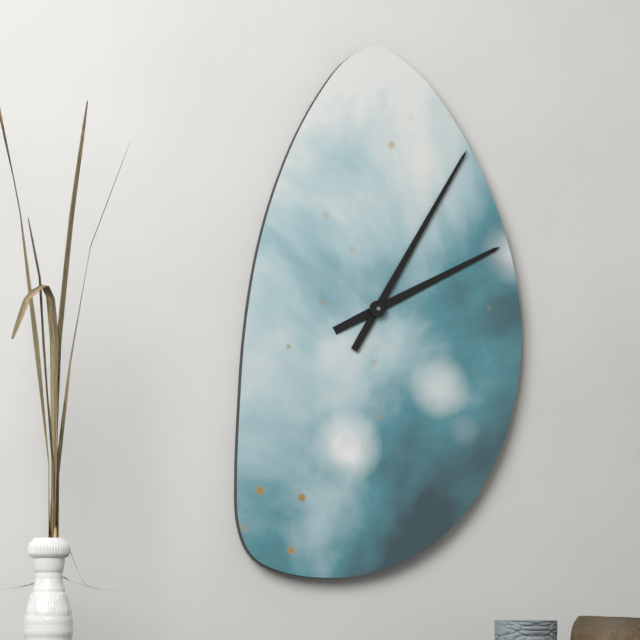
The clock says 2,05
